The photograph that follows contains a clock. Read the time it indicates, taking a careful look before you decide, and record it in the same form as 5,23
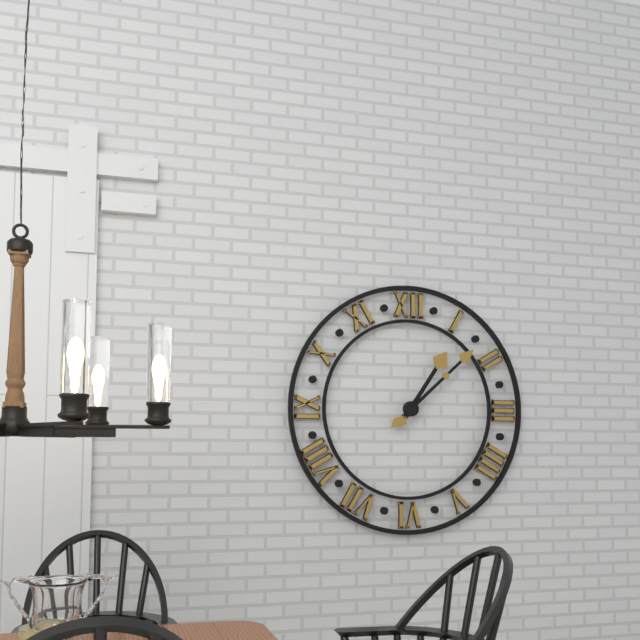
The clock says 1,08
